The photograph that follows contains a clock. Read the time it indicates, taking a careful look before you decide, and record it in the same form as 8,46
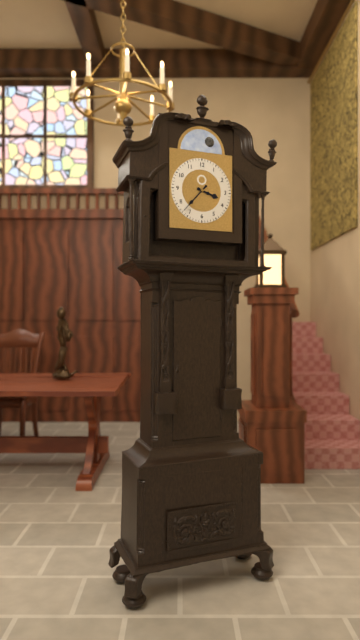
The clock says 3,37
